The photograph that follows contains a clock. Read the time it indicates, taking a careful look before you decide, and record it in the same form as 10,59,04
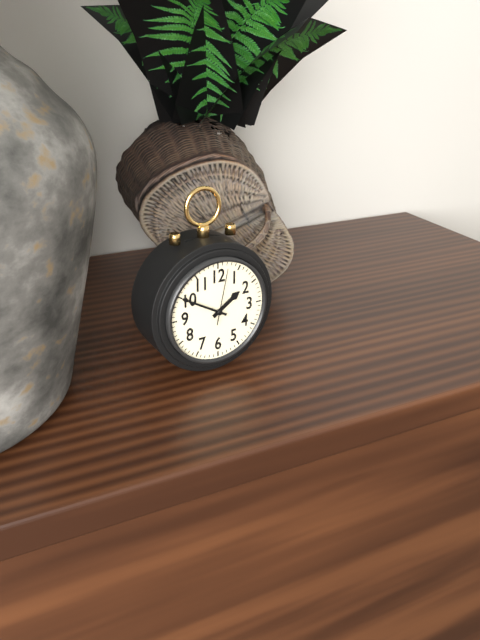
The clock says 1,50,02
